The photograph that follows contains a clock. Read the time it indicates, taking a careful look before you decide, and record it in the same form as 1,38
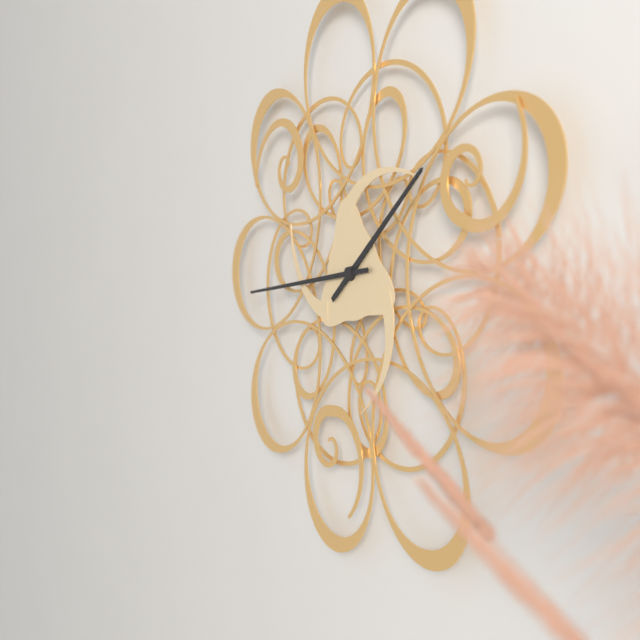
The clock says 1,44
